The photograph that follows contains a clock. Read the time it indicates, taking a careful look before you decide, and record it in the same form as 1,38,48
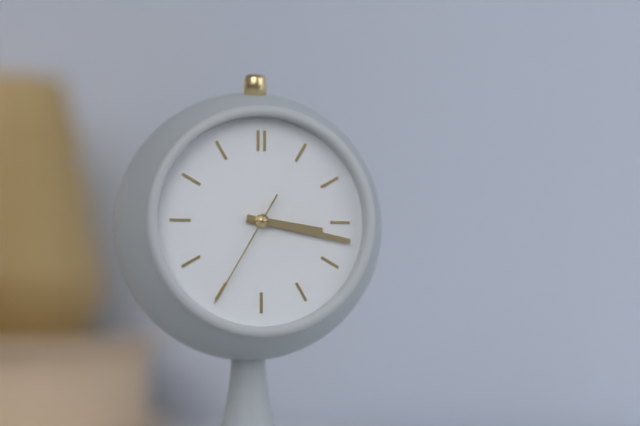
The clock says 3,17,35
